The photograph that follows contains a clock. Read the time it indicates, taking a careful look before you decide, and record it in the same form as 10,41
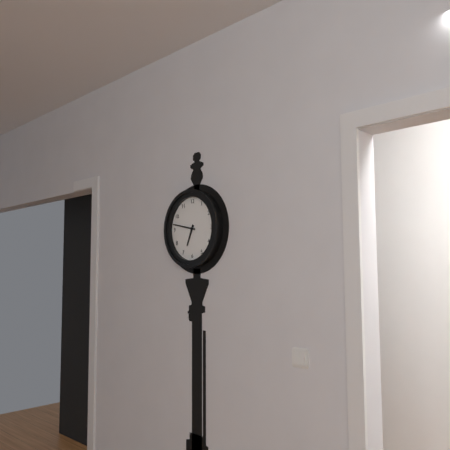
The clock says 6,47
